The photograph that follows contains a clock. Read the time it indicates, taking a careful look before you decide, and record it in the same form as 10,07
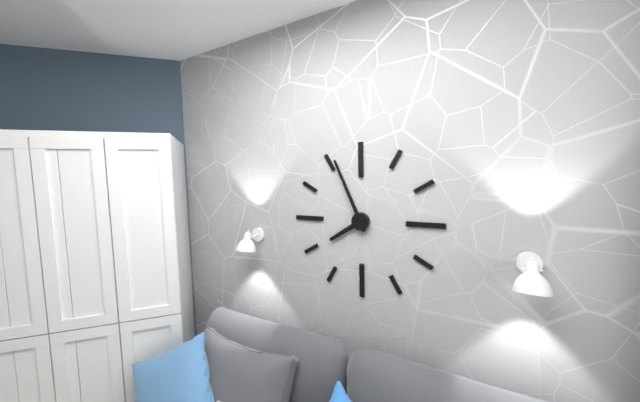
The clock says 7,56
